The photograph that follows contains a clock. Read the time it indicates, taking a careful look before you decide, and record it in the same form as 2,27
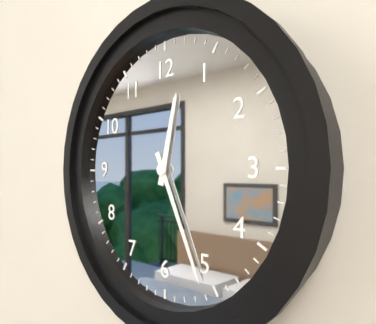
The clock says 12,26
